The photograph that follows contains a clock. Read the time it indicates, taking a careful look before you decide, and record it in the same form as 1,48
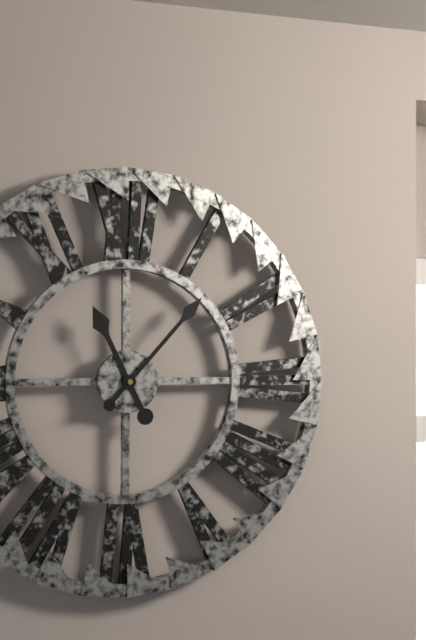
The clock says 11,07
